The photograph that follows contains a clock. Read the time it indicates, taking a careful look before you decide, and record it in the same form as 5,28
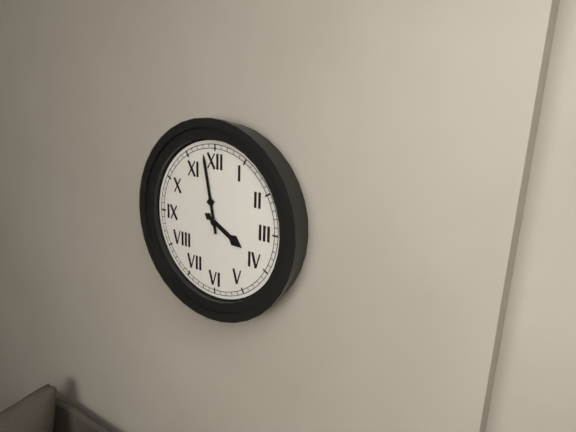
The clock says 3,58
